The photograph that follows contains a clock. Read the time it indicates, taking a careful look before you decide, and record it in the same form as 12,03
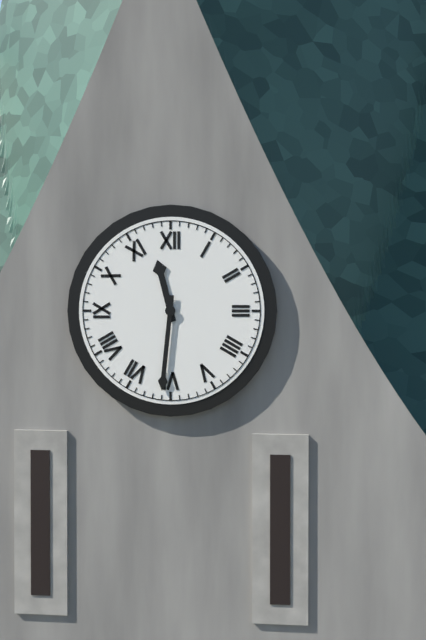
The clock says 11,31
